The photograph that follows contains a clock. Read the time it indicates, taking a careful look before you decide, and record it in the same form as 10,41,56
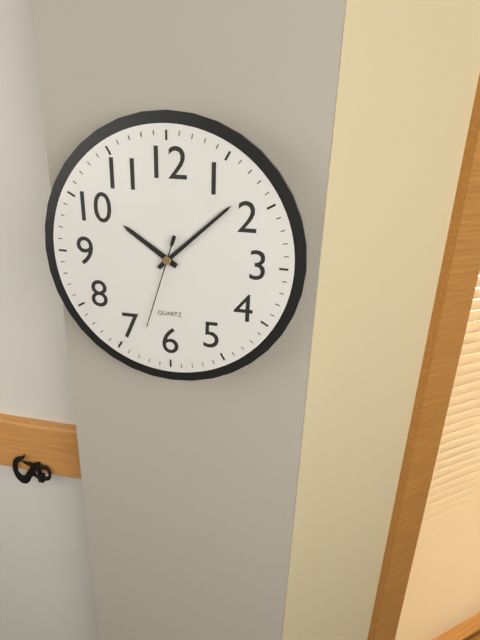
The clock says 10,08,33
